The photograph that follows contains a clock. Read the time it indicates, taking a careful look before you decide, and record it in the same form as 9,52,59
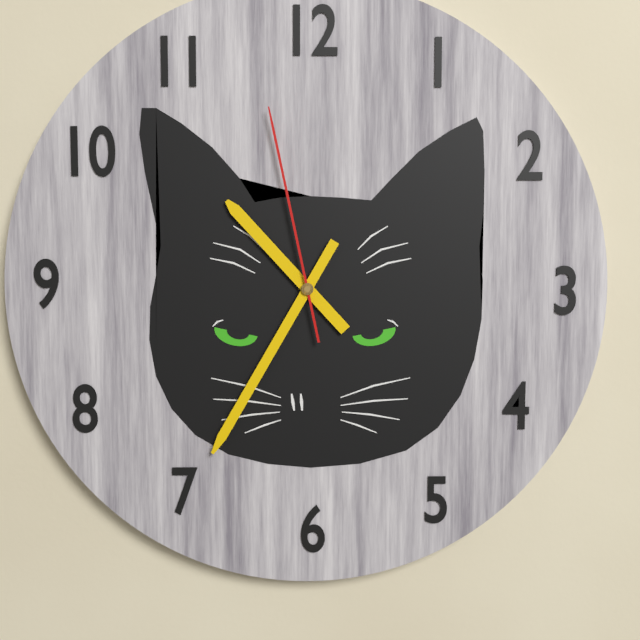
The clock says 10,35,58
